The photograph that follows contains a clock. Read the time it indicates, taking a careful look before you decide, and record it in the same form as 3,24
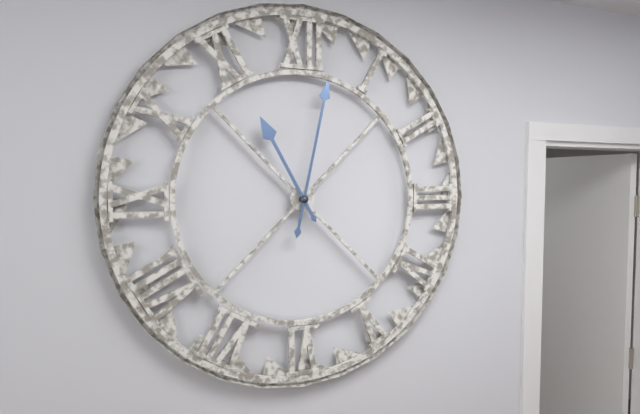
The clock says 11,02
